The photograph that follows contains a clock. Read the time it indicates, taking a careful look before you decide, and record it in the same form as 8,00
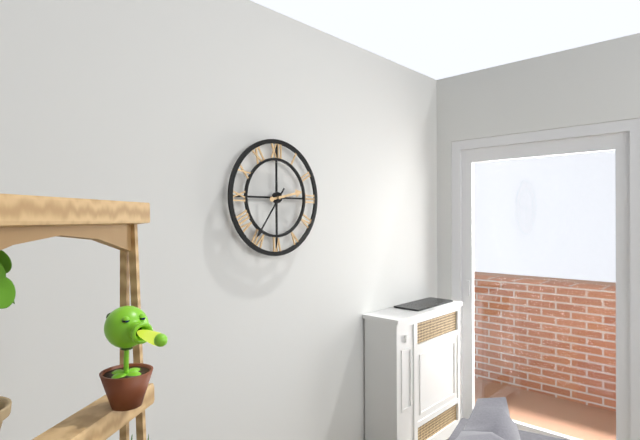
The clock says 2,36
